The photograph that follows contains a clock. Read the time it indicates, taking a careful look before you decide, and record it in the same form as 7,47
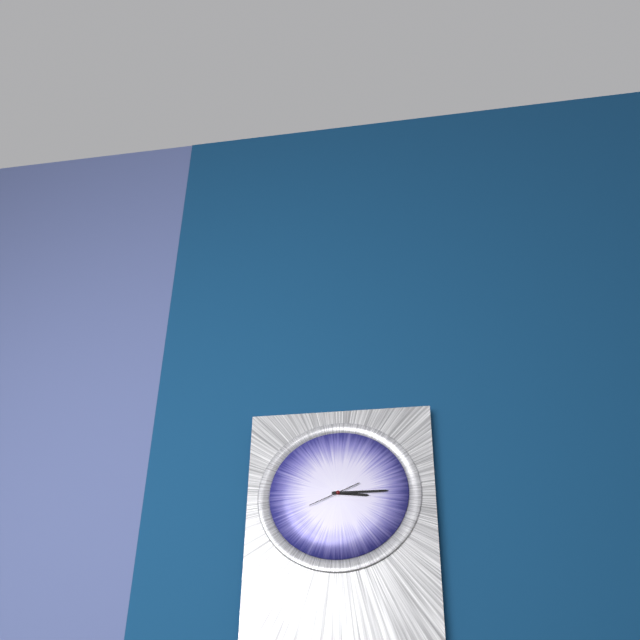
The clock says 3,15
